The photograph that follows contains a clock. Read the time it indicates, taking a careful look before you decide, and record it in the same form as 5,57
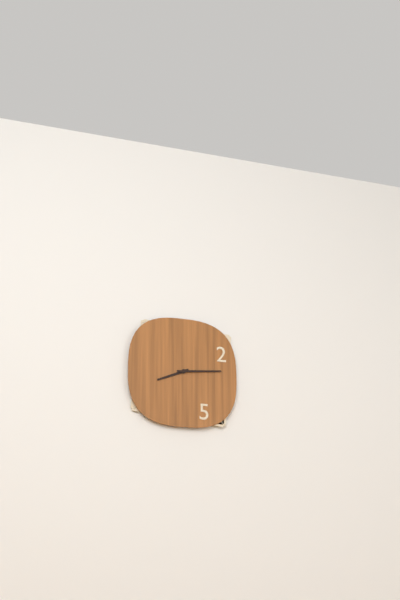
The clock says 8,14
